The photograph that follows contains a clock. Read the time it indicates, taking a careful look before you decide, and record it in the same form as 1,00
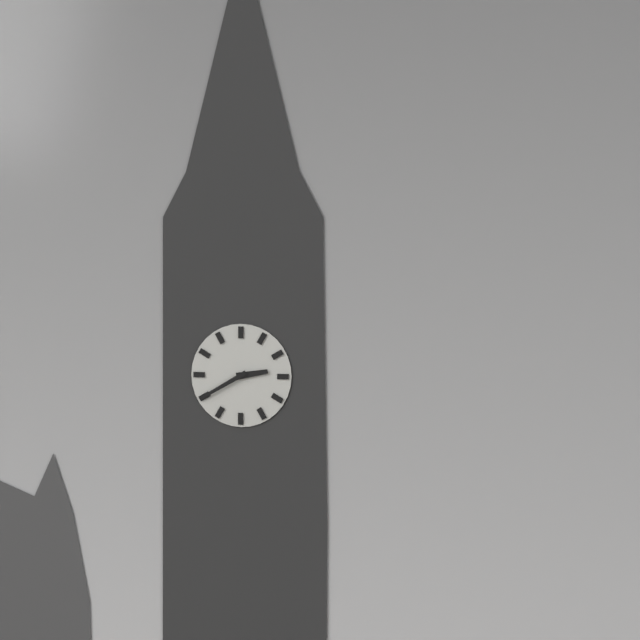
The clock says 2,40
